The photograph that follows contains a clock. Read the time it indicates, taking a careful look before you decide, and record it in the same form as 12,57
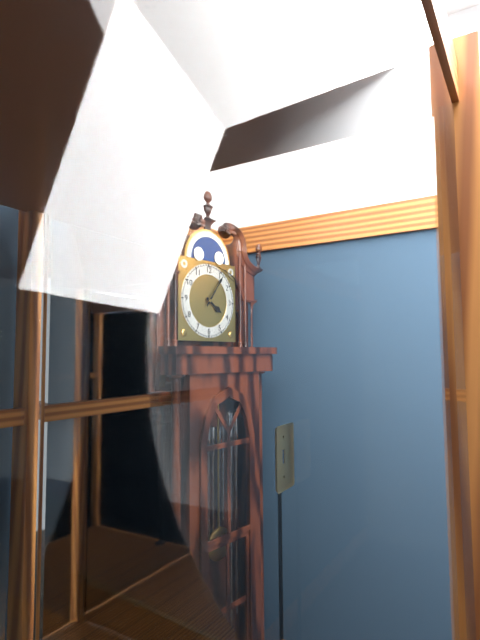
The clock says 4,06
